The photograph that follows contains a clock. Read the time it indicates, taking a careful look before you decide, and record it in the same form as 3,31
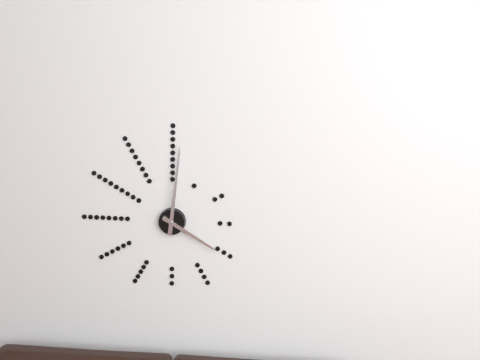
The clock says 4,01
